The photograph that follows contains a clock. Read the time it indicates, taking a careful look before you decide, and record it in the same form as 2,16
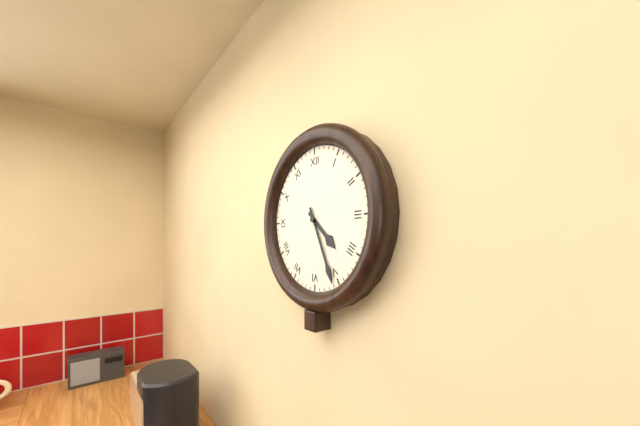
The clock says 4,26
